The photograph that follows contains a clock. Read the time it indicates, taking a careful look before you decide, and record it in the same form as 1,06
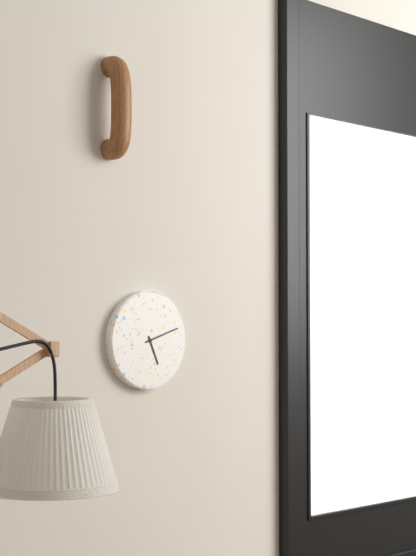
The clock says 5,12
